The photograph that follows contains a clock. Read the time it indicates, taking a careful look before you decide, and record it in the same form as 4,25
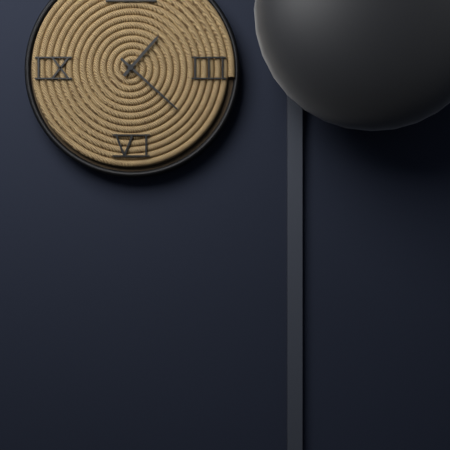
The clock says 1,22
